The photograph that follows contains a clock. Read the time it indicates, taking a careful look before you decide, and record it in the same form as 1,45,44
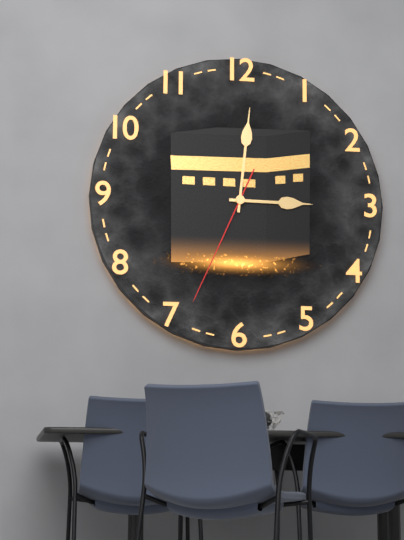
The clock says 3,01,34
